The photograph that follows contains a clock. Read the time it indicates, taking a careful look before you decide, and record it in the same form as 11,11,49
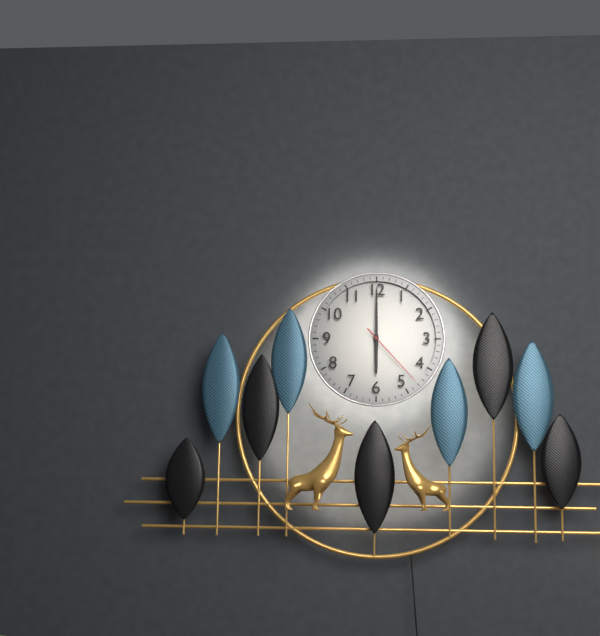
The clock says 6,00,23
